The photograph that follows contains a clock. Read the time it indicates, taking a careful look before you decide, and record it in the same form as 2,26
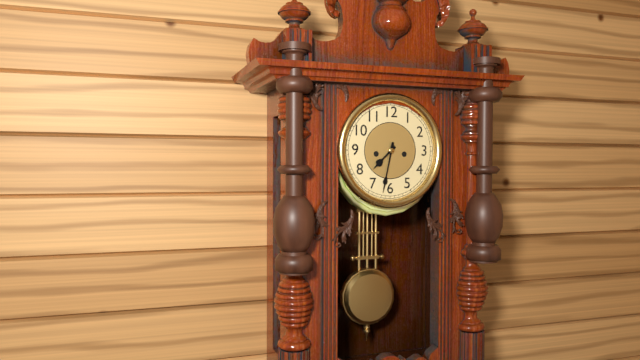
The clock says 7,32
